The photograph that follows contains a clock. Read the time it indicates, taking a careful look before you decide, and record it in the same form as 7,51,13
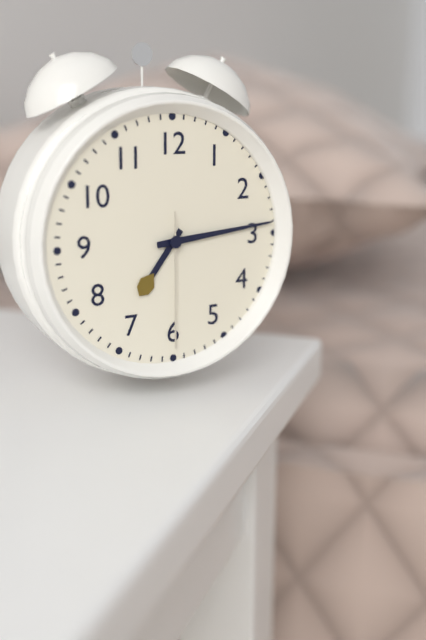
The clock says 7,14,30
